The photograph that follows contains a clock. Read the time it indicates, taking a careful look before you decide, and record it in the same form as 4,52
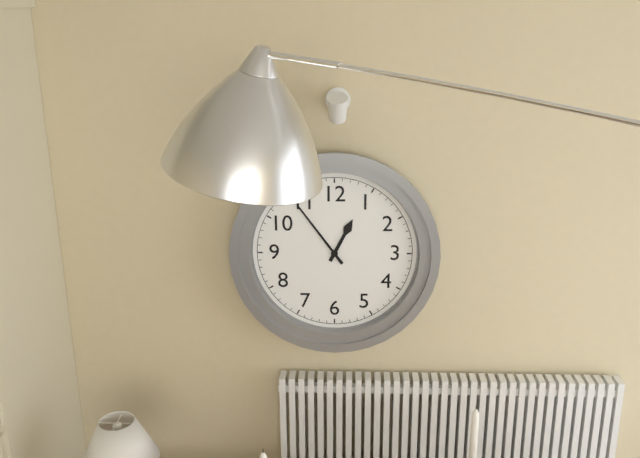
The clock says 12,54
